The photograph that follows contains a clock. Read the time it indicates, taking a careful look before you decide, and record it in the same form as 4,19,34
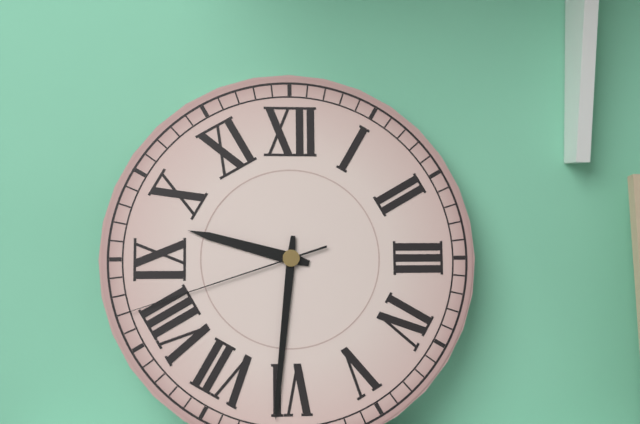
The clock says 9,31,42
